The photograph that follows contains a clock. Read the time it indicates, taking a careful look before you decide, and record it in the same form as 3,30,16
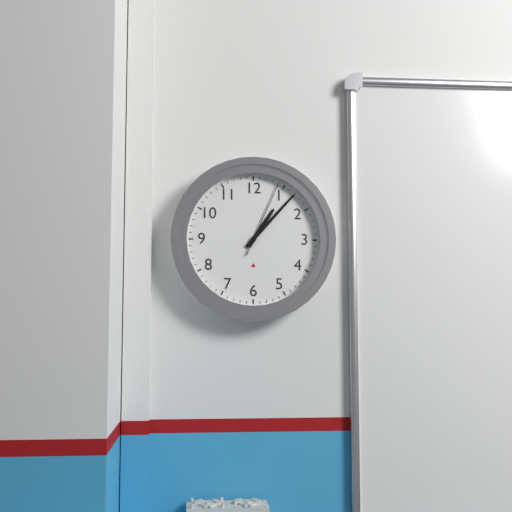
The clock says 1,07,04
